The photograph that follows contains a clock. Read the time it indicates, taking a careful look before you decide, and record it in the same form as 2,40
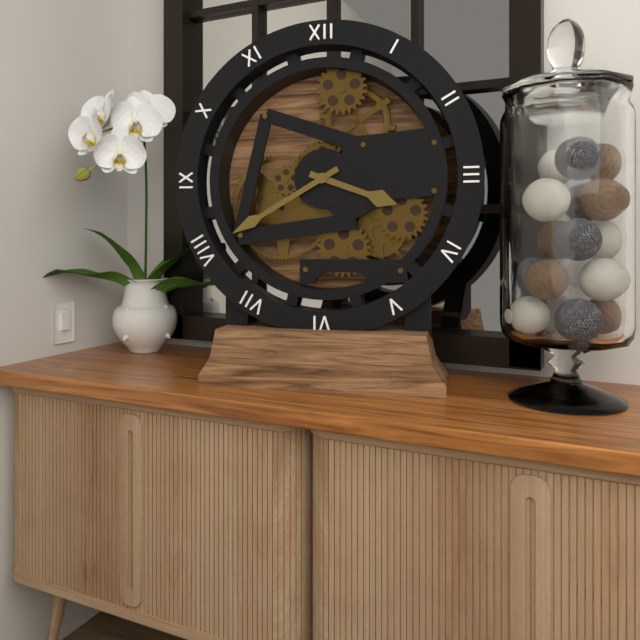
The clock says 3,40
